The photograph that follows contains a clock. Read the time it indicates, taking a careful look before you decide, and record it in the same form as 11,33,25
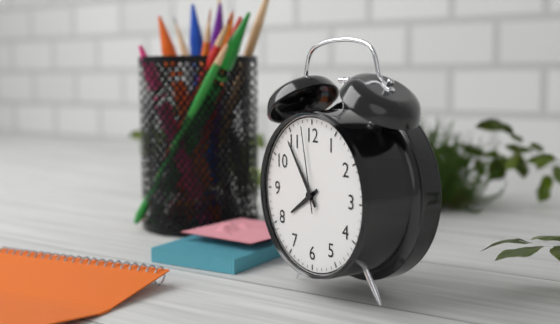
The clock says 7,54,58
